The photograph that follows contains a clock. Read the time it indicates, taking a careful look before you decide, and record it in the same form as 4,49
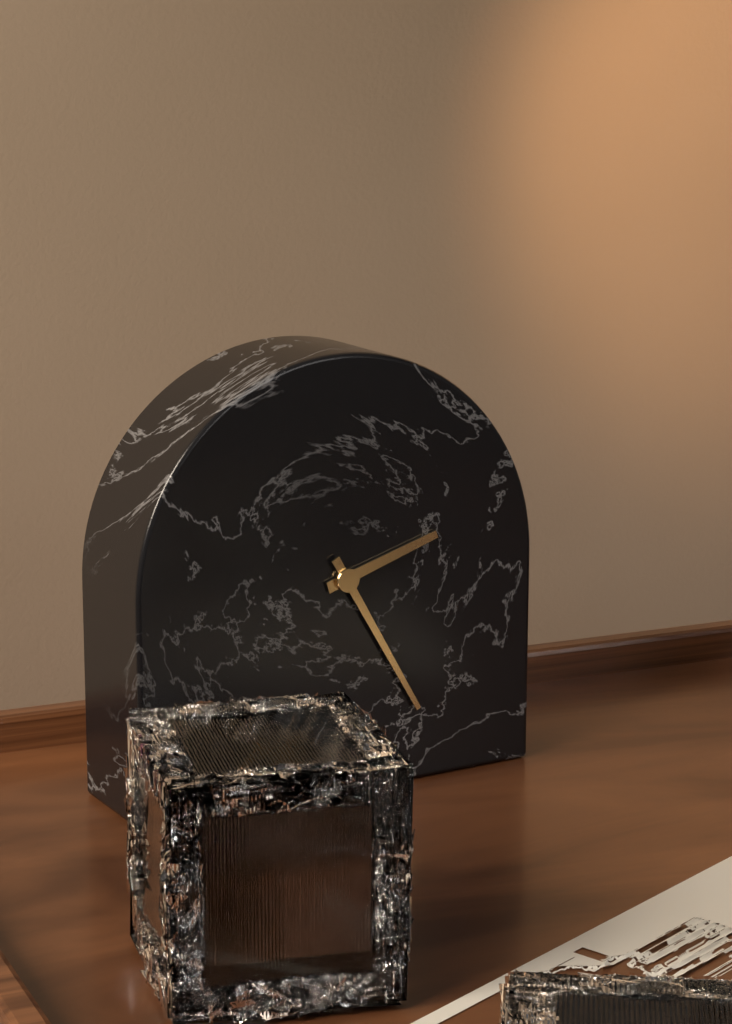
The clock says 2,25
